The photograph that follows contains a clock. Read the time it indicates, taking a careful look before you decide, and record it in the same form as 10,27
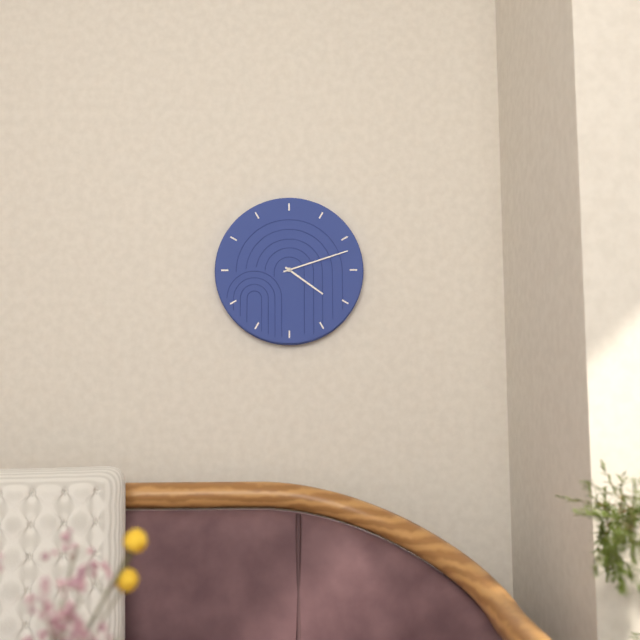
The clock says 4,12
